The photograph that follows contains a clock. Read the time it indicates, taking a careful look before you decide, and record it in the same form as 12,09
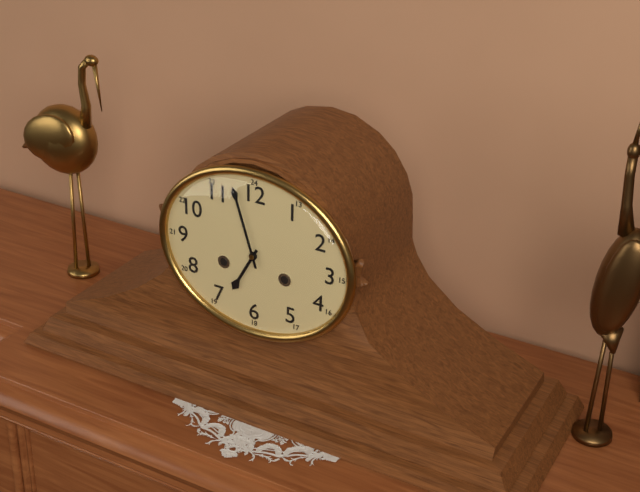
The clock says 6,57
